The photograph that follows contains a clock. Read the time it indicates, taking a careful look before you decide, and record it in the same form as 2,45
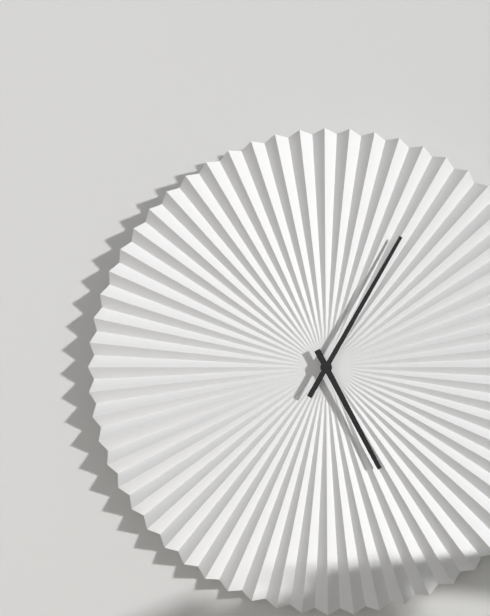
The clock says 5,05
